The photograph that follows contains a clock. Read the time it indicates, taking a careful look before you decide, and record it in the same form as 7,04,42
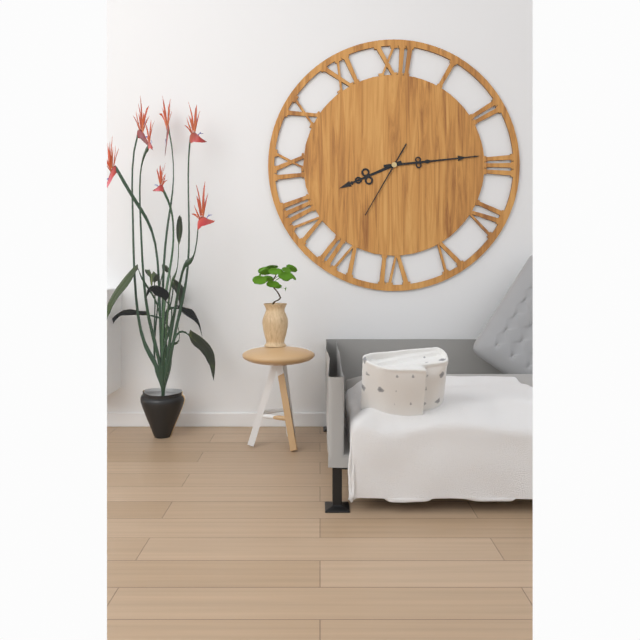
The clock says 8,14,35
